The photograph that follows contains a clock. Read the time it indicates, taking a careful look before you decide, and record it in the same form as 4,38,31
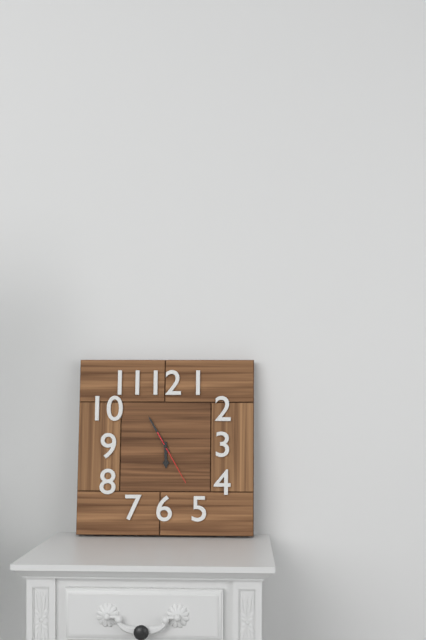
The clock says 5,55,25
